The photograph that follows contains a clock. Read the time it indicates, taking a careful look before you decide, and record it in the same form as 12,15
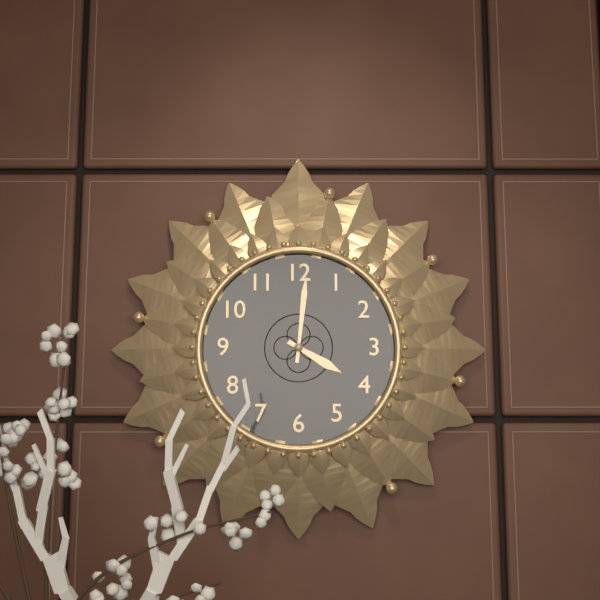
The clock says 4,01
